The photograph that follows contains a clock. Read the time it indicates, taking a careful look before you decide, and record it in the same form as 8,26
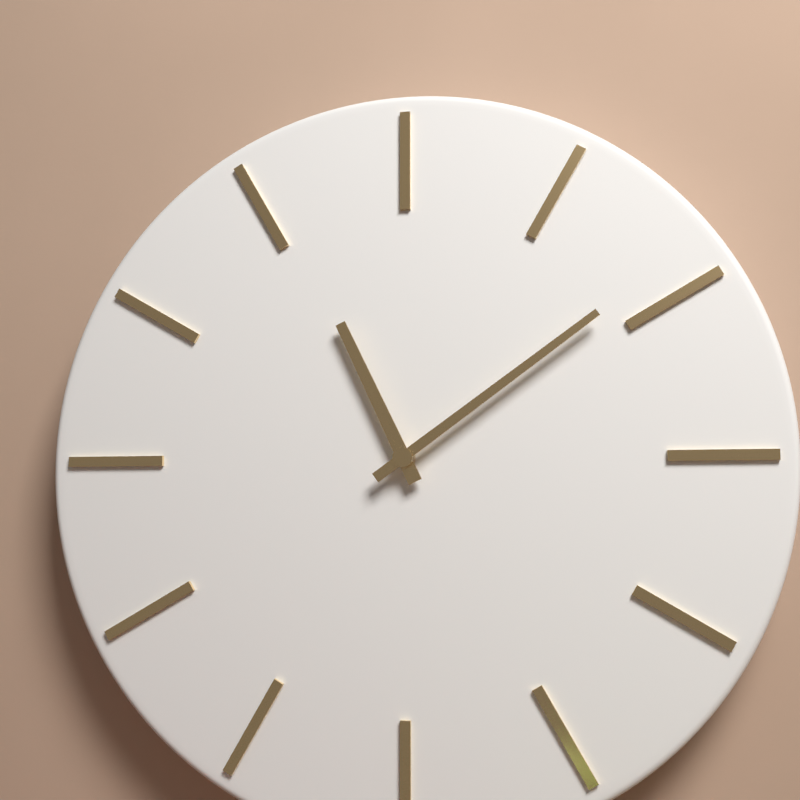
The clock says 11,09
